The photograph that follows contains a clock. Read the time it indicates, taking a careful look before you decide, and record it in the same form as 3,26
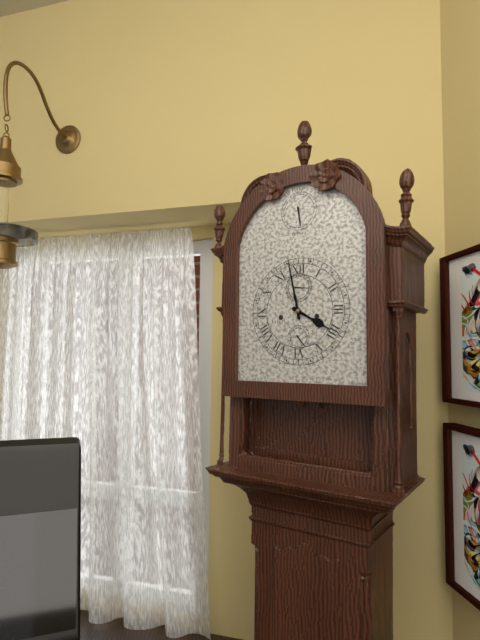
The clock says 3,58
